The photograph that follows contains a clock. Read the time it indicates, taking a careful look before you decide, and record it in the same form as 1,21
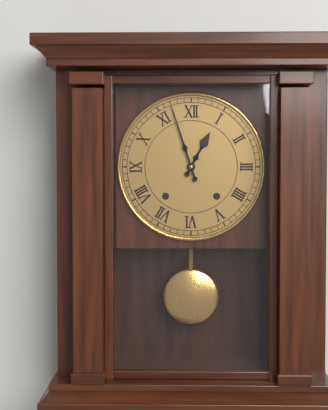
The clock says 12,57
